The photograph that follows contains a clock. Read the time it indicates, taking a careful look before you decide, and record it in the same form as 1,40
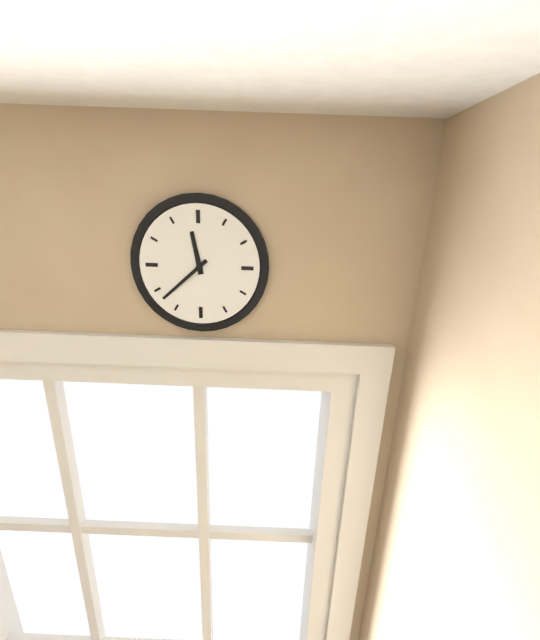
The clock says 11,38
